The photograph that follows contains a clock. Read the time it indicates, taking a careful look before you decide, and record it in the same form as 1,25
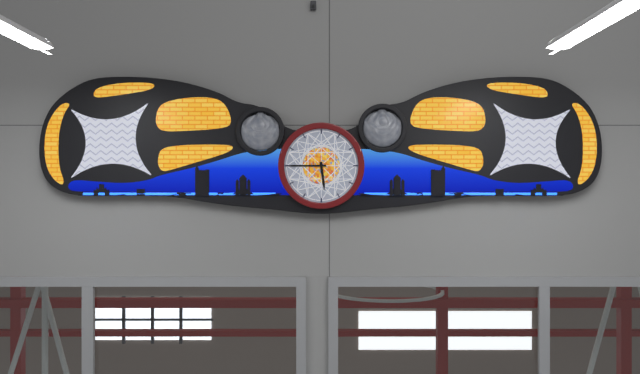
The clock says 5,45
